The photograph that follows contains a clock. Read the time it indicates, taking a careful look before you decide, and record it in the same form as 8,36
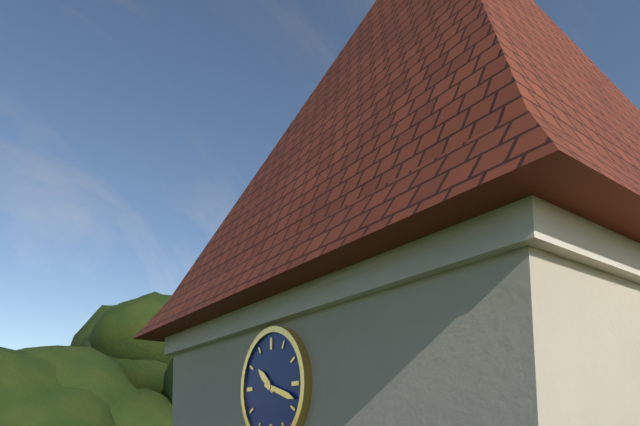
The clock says 10,18
